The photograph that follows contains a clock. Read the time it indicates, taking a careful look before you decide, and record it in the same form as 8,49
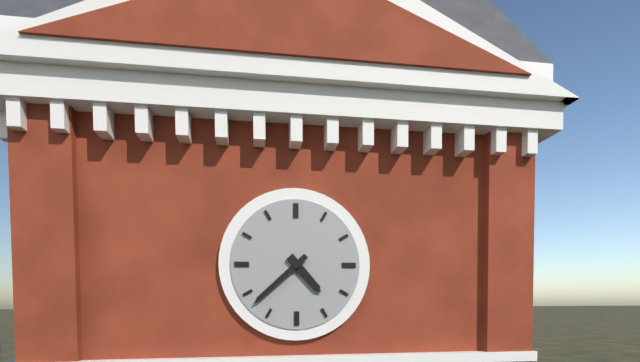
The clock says 4,38
